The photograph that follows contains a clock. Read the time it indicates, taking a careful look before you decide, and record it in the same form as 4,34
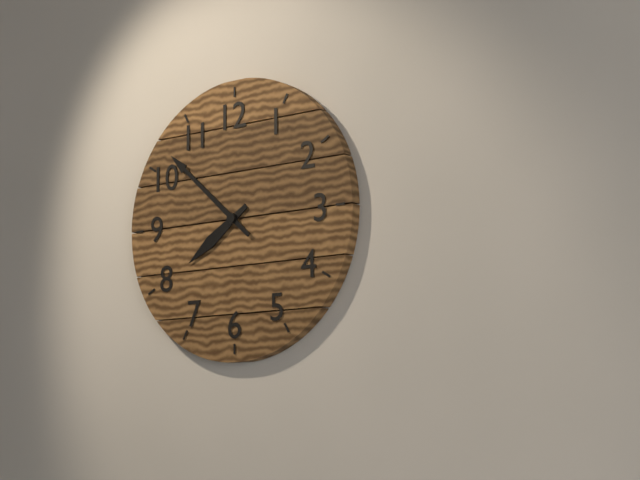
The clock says 7,52
